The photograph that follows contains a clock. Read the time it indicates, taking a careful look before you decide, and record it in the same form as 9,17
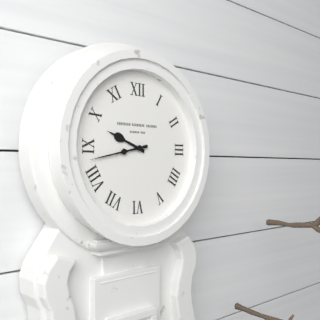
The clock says 9,43
